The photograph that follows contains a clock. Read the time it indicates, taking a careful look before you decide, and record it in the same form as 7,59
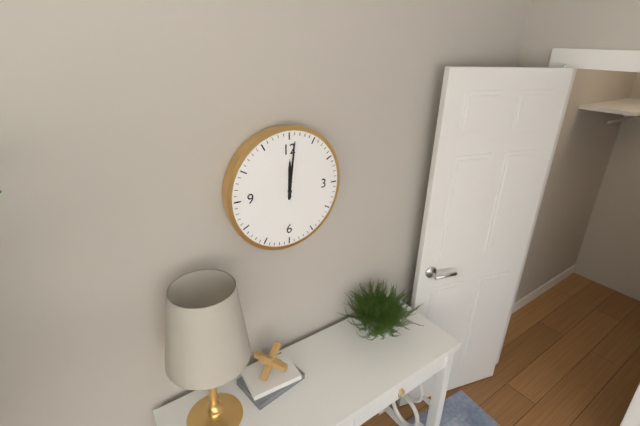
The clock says 12,01
